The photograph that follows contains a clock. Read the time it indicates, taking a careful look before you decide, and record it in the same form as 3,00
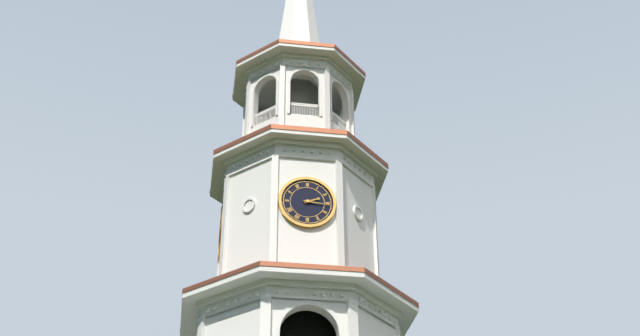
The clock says 2,16
